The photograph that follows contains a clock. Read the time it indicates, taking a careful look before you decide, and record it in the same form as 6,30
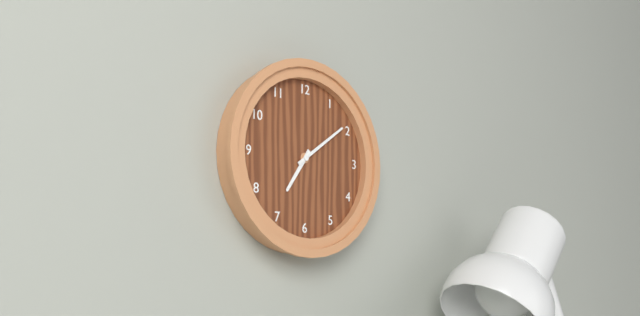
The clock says 7,09
